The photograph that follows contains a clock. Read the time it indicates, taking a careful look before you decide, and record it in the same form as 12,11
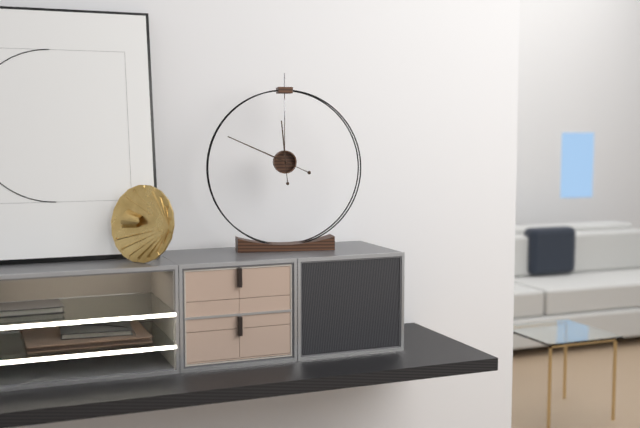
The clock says 11,49
